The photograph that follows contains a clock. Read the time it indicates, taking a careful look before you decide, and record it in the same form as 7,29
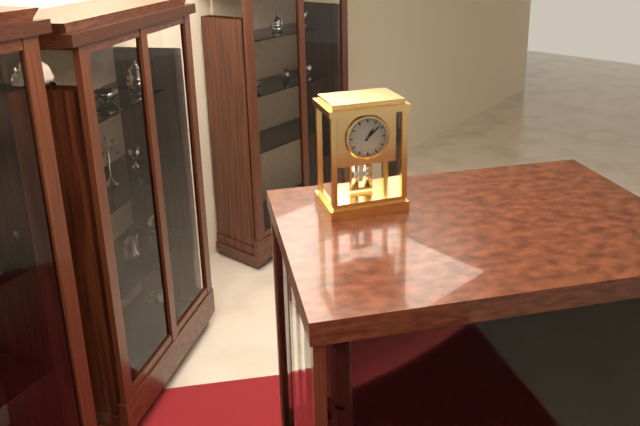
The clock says 1,08
